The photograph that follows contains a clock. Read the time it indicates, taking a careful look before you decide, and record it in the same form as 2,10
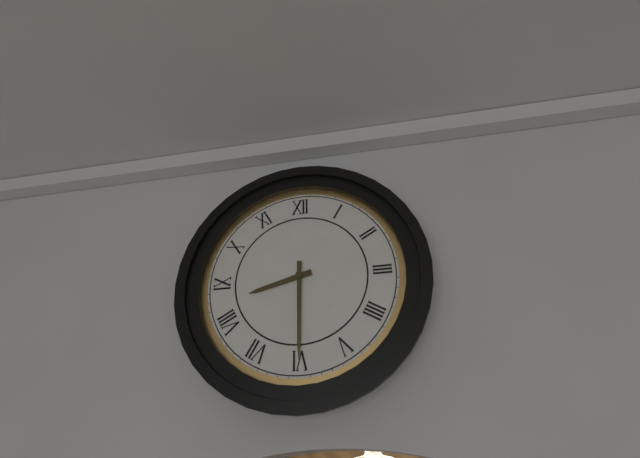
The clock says 8,30
